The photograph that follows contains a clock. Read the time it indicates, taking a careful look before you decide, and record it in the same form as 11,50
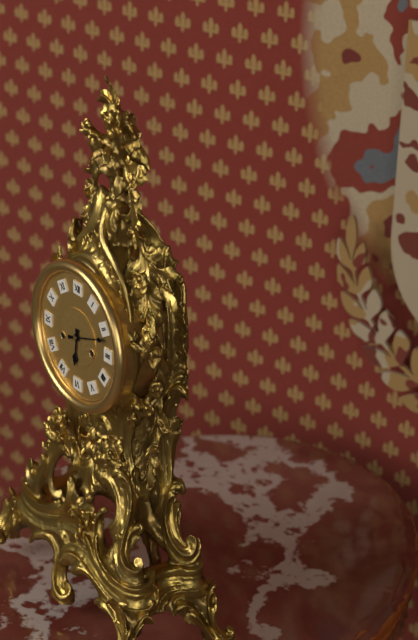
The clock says 6,12
